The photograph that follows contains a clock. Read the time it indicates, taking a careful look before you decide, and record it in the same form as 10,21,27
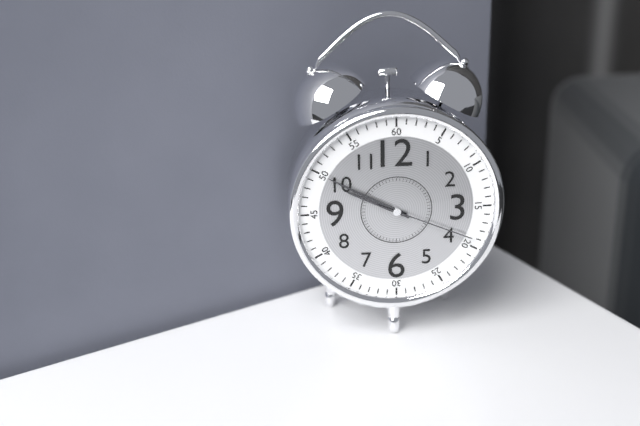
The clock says 9,50,19
